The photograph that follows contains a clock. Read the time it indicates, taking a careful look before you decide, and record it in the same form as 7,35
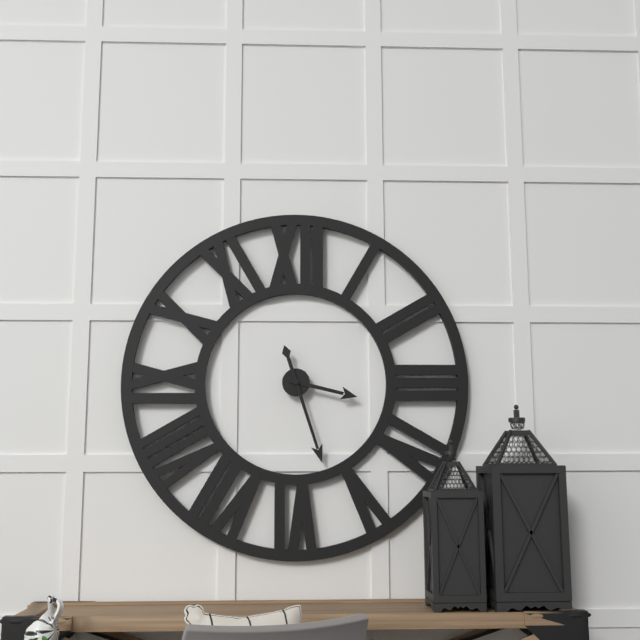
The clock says 3,27
